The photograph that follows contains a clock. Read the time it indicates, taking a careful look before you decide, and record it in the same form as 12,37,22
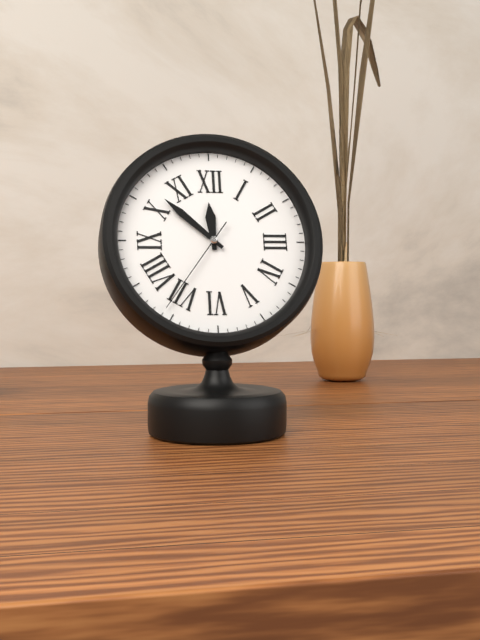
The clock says 11,52,36
